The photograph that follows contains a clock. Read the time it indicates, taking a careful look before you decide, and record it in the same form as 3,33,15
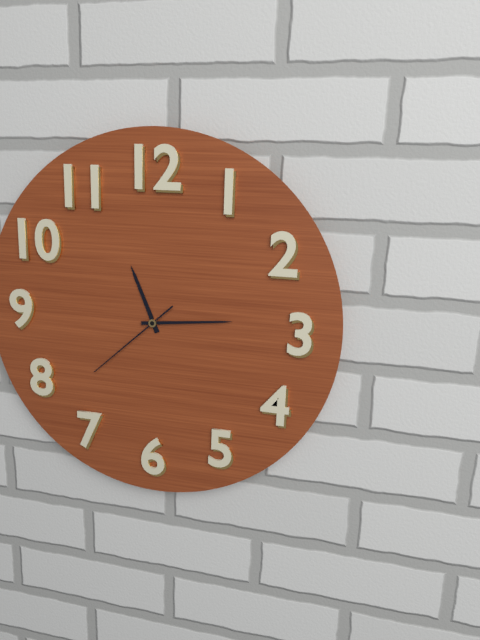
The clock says 11,14,38
